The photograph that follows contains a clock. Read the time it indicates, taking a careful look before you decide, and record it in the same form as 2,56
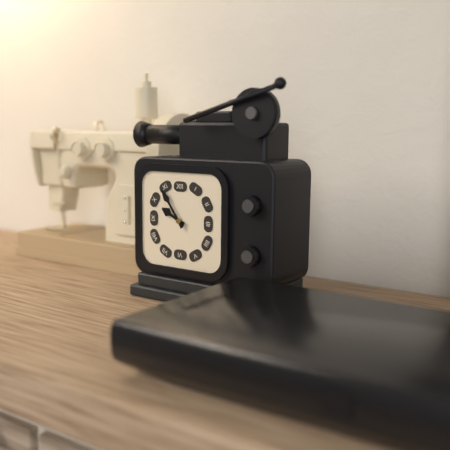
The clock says 9,54
